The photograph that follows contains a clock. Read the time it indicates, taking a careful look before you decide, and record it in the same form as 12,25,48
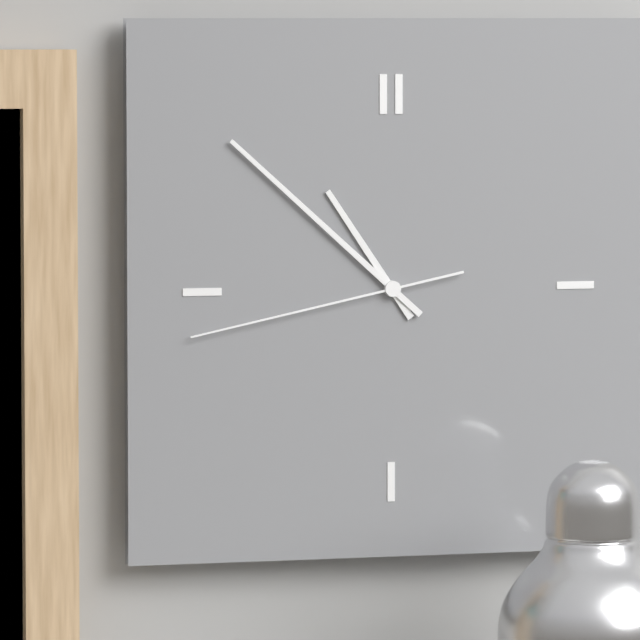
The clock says 10,52,43
